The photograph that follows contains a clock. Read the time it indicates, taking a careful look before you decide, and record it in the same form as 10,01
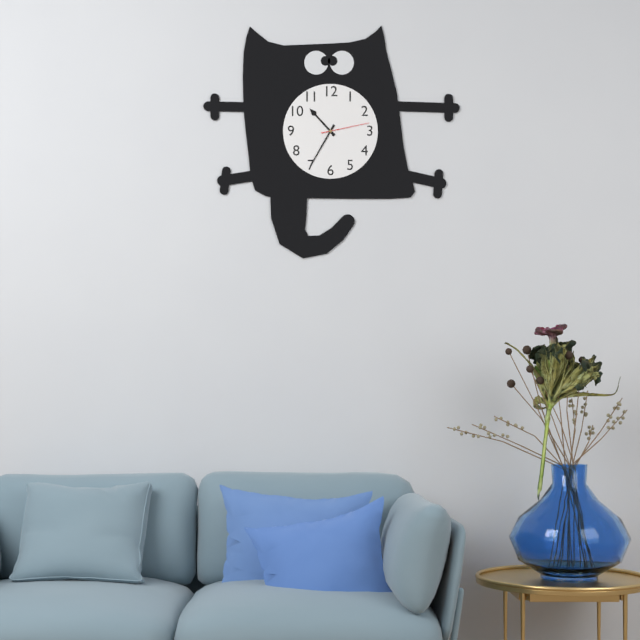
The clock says 10,35
